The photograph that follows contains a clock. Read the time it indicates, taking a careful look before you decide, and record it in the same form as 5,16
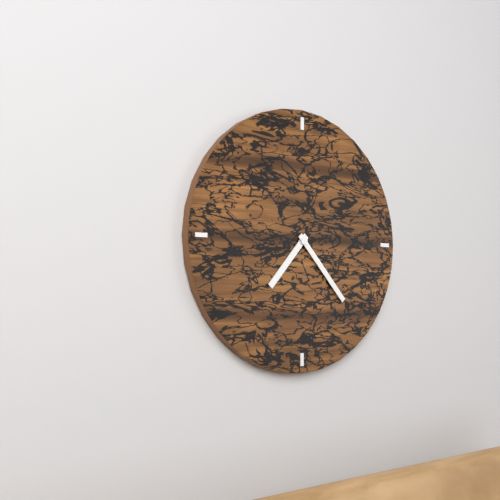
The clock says 7,23
